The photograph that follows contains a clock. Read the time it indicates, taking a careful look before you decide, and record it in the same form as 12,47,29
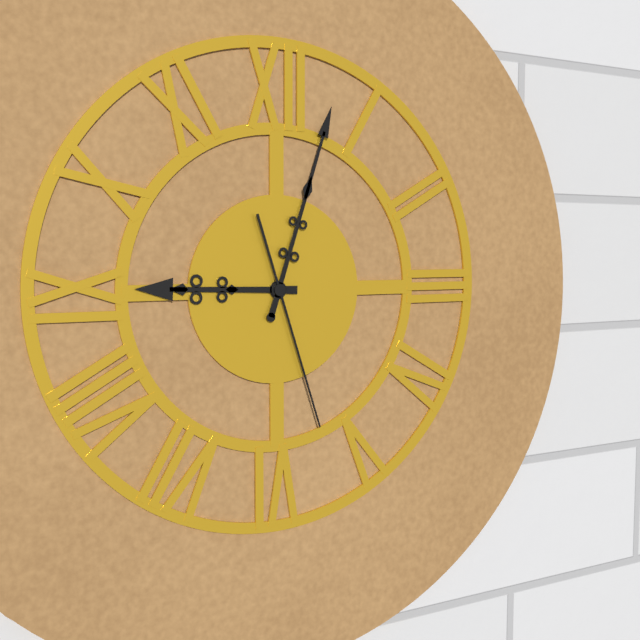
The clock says 9,03,27
